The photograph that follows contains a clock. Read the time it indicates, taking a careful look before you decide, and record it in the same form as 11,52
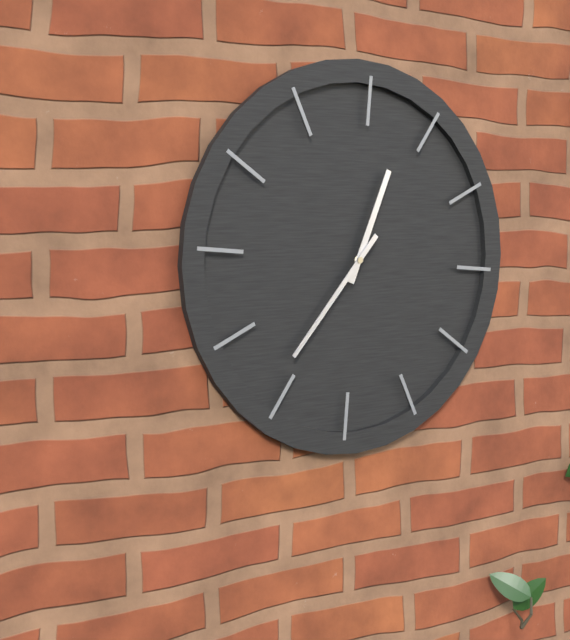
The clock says 12,36
